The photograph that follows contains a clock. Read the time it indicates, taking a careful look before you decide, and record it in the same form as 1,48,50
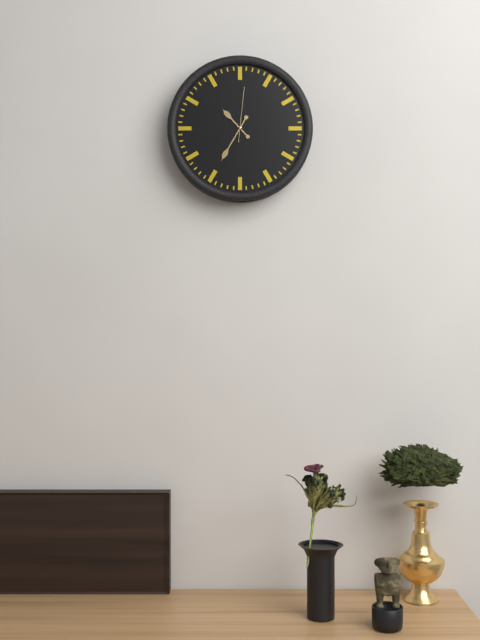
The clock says 10,35,01
